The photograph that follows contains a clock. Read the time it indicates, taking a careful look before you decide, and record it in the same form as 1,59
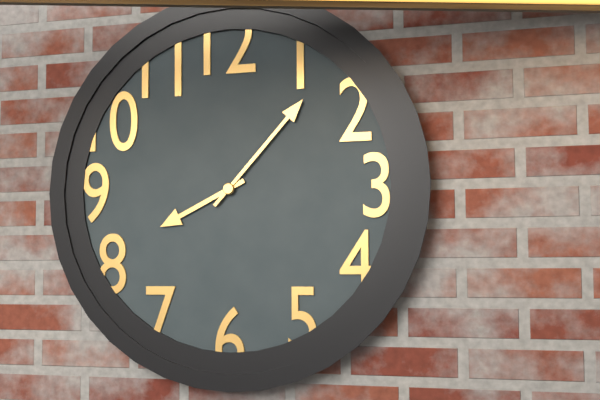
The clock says 8,07
